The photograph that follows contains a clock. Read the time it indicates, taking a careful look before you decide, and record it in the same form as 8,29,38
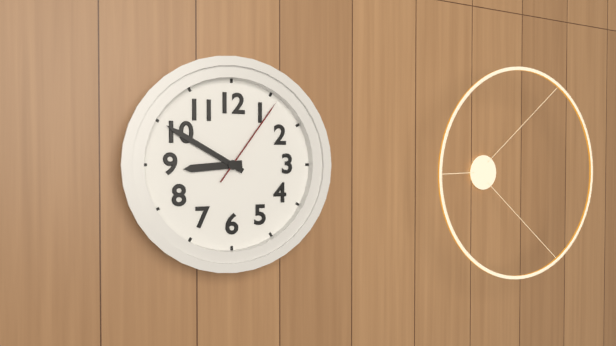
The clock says 8,50,06
